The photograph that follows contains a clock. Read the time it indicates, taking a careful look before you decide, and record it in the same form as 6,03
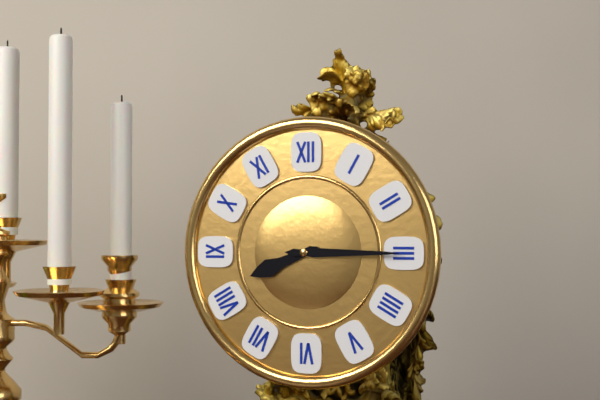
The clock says 8,15
